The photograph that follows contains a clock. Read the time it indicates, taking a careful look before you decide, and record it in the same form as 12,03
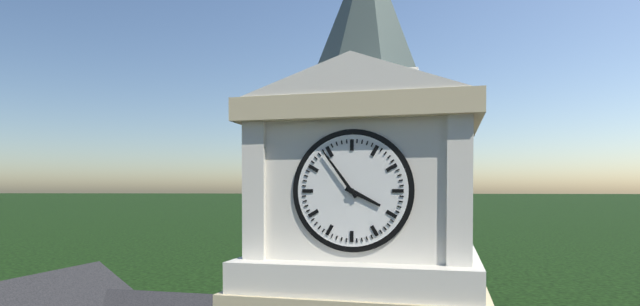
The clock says 3,54
